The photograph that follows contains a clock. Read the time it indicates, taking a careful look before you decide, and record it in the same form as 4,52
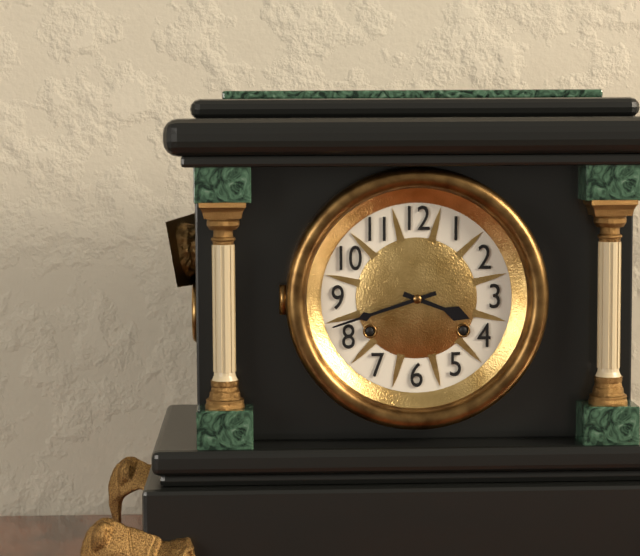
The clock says 3,42
